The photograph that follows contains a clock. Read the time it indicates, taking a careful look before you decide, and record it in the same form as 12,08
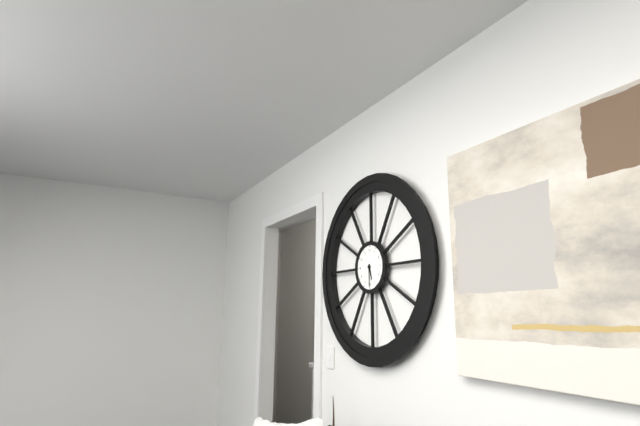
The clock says 5,30
